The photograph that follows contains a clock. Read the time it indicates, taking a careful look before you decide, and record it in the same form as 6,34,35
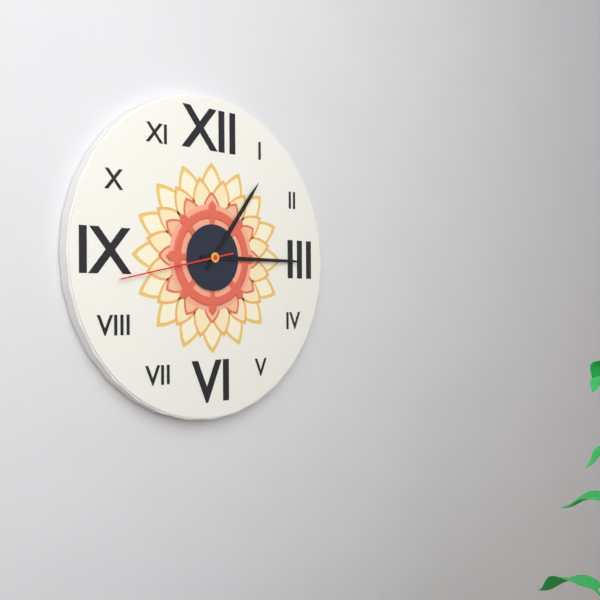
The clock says 1,15,43
